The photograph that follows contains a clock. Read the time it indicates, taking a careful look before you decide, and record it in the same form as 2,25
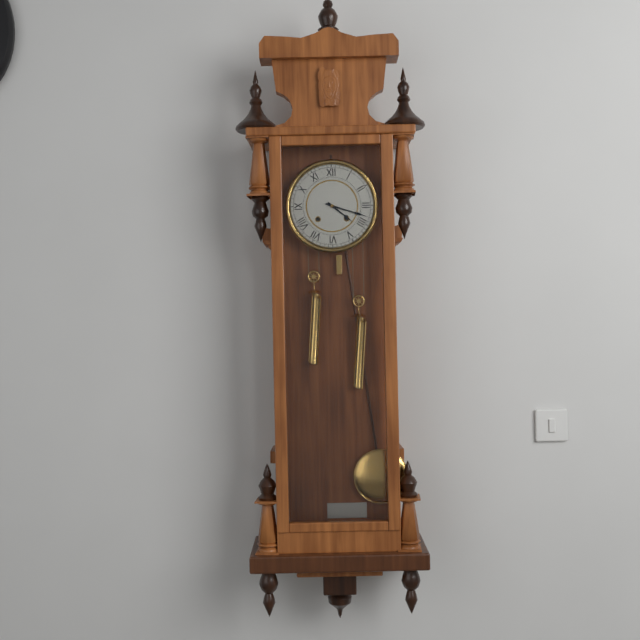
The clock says 4,18
